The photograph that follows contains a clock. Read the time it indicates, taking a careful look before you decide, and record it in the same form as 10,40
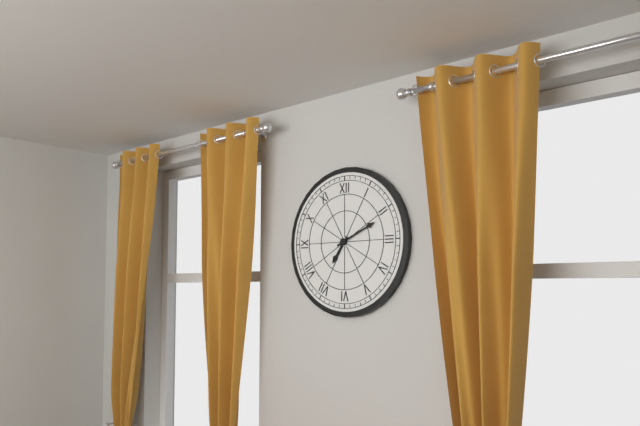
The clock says 7,11
